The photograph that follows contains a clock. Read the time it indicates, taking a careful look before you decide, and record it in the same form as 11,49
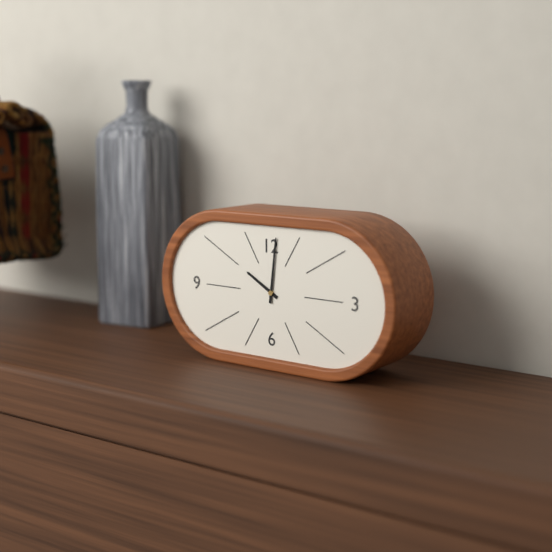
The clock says 10,01
